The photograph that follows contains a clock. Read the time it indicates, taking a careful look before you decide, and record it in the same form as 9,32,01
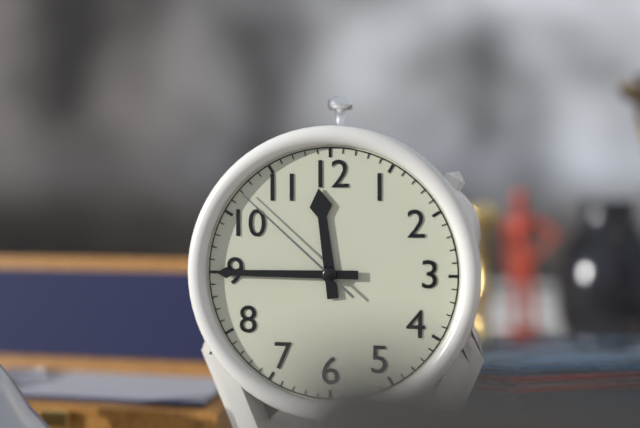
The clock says 11,45,52
